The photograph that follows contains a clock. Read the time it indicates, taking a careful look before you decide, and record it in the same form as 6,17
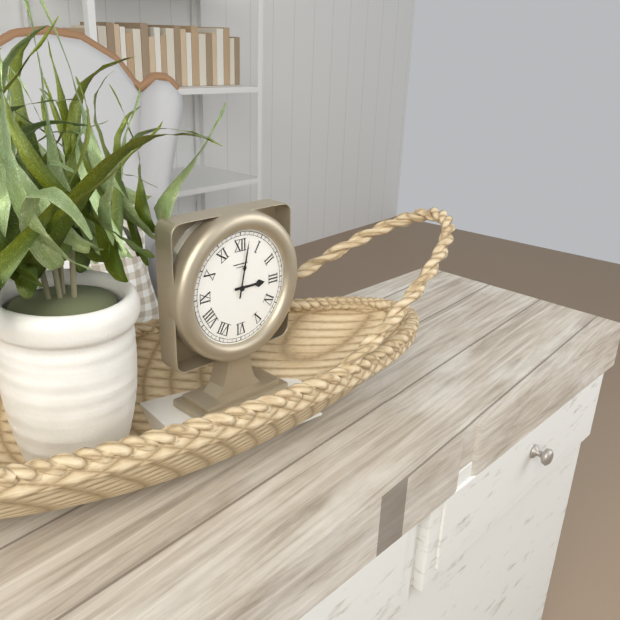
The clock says 3,02
